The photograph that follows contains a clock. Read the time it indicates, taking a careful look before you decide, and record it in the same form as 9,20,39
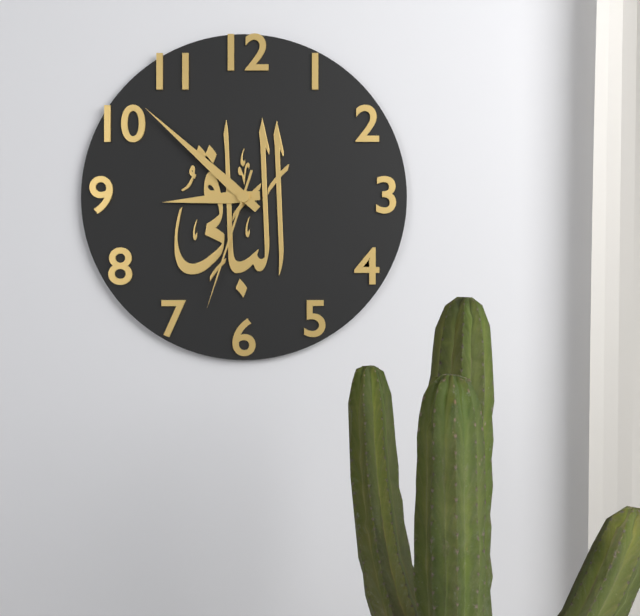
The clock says 8,52,33
